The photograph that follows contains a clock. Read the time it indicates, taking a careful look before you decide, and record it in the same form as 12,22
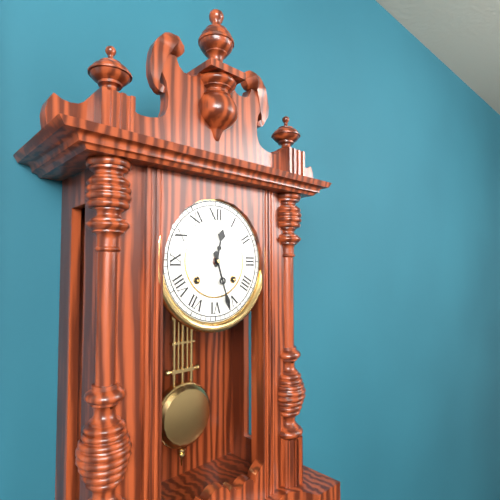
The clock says 12,27
